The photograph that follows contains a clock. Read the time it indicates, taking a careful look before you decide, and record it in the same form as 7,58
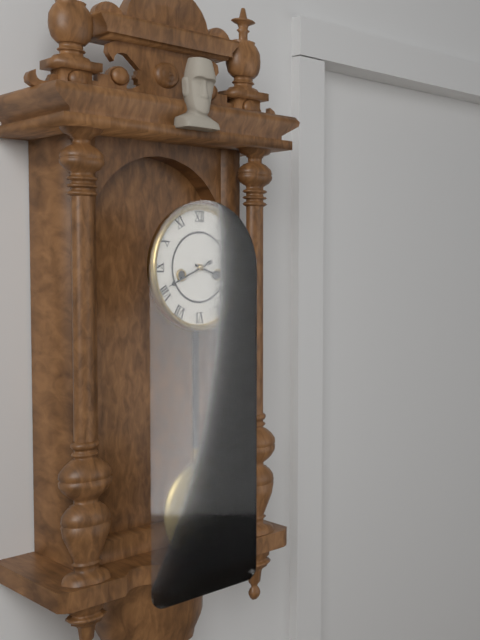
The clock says 3,41
